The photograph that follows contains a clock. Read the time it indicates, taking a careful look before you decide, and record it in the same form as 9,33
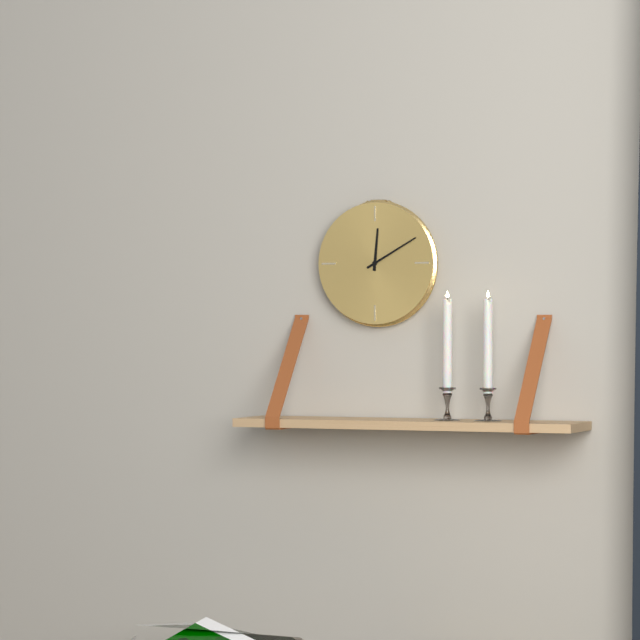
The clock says 12,10
